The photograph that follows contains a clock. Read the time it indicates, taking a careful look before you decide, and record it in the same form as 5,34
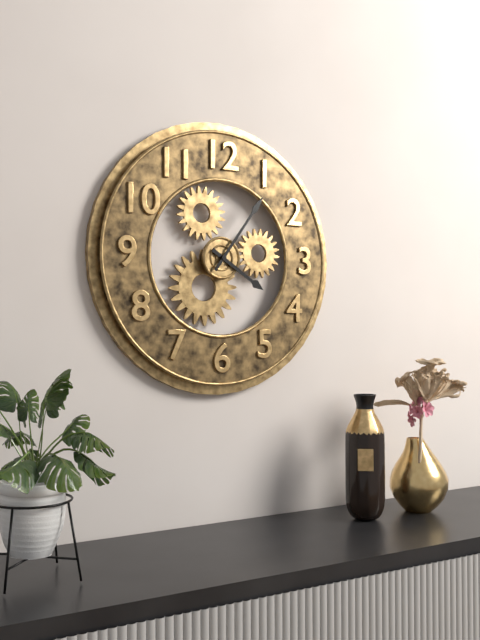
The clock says 4,06
